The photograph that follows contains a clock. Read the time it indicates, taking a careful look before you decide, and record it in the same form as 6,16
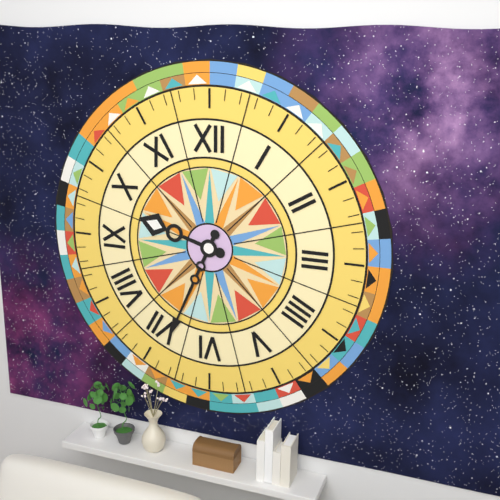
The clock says 9,34
